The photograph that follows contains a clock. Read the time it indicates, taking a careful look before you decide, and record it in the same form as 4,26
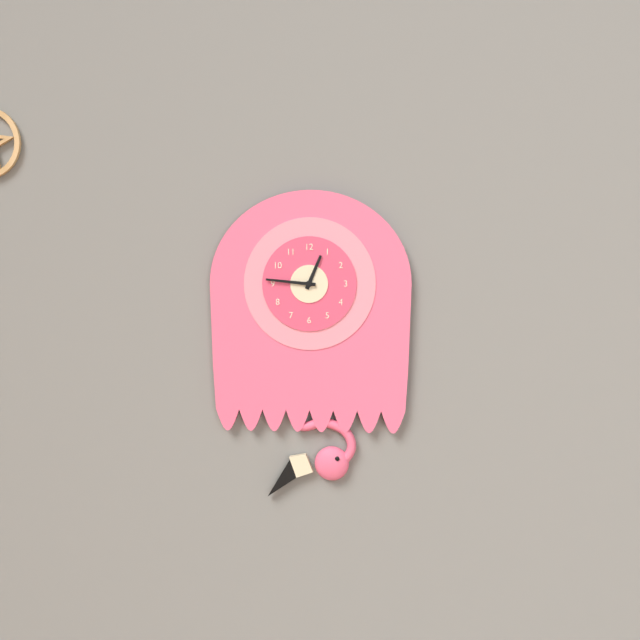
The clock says 12,46
